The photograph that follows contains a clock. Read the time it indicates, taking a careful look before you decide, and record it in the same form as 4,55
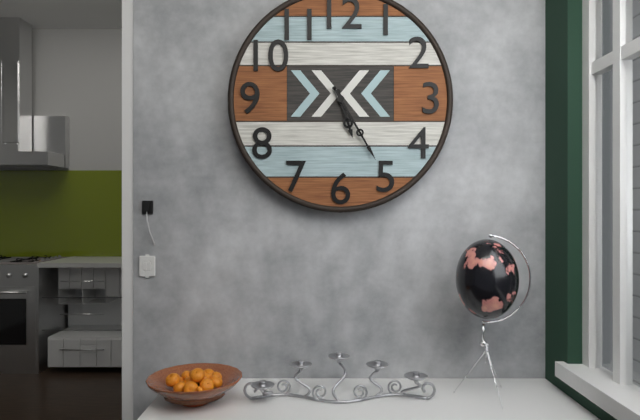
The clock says 5,25
